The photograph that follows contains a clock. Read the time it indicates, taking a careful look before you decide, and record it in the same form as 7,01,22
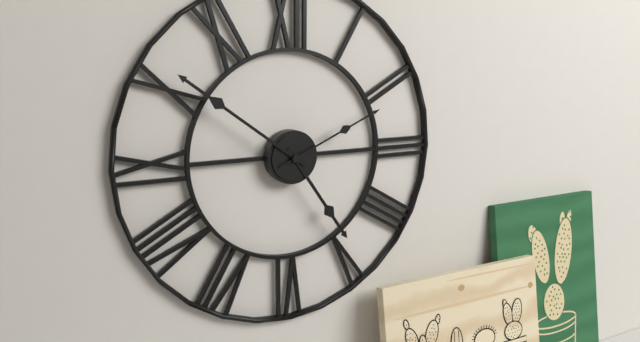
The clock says 4,51,11
